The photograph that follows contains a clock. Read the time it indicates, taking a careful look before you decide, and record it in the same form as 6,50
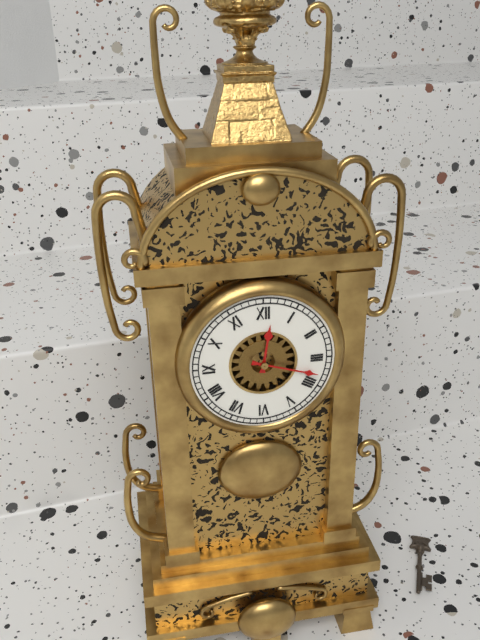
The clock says 12,18
